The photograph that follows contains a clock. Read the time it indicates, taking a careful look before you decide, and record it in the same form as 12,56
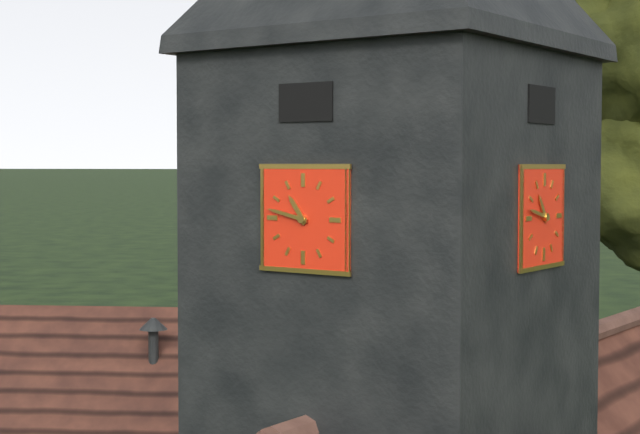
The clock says 10,47
